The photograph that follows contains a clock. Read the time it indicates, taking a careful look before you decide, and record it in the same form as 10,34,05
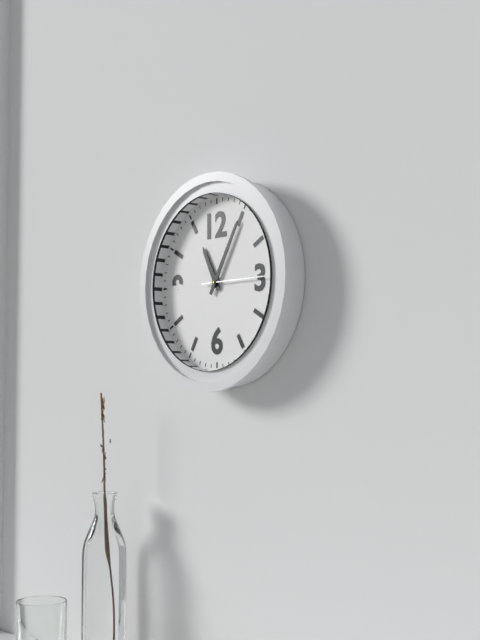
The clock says 11,05,15
